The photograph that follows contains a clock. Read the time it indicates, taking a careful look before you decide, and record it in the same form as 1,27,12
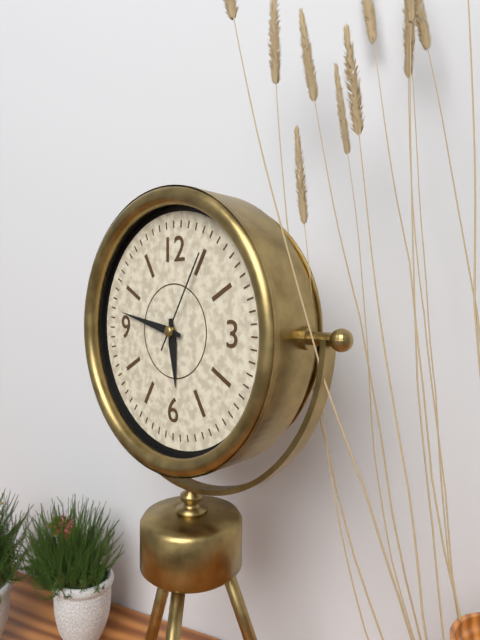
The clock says 5,47,05
